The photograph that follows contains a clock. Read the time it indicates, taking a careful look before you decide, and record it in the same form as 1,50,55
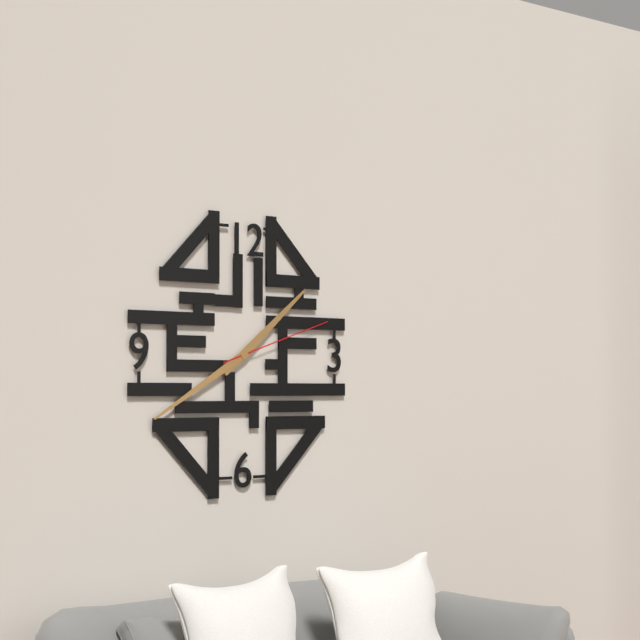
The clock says 1,40,12
